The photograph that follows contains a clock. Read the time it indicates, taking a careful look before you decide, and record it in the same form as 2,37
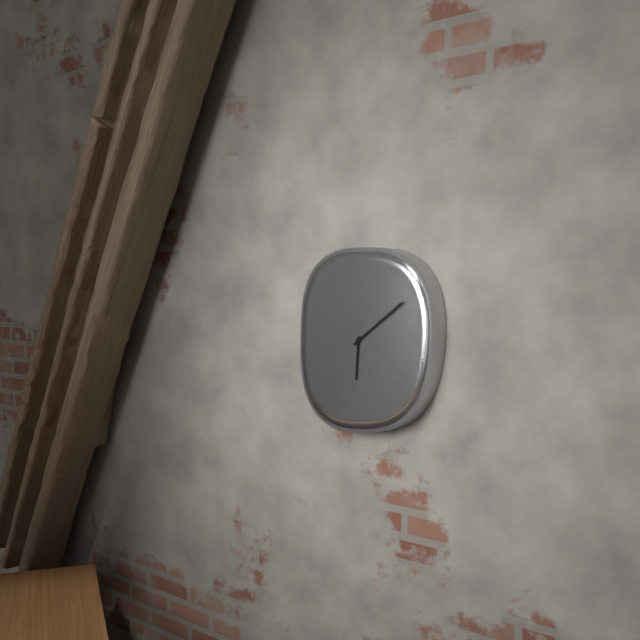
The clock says 6,09
